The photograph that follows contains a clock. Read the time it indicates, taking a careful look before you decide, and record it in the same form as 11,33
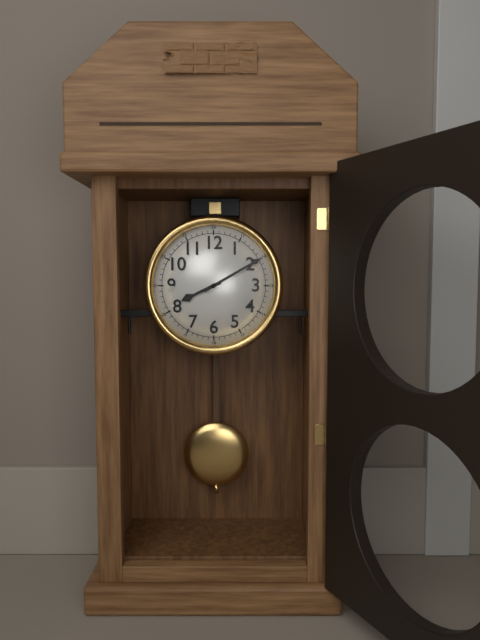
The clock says 8,10
